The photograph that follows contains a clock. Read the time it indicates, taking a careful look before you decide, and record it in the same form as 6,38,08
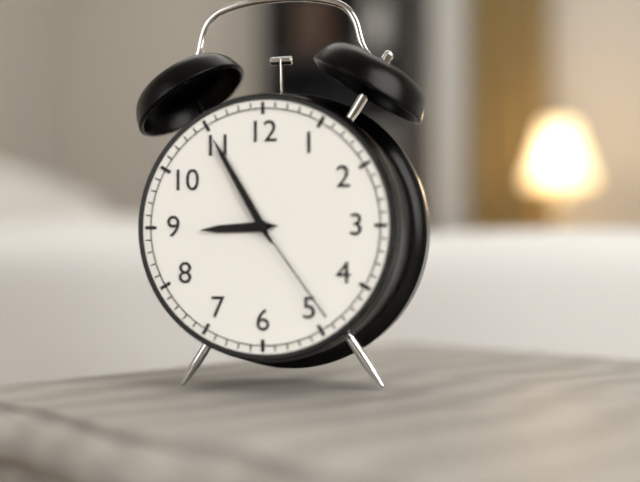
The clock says 8,55,24
